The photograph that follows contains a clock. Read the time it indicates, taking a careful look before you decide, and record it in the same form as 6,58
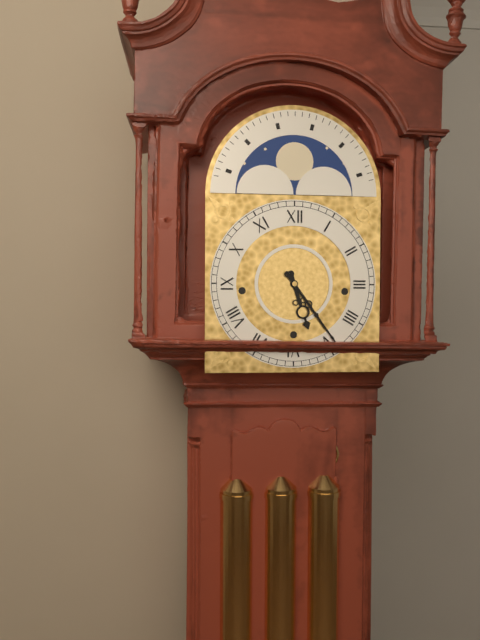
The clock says 5,24
